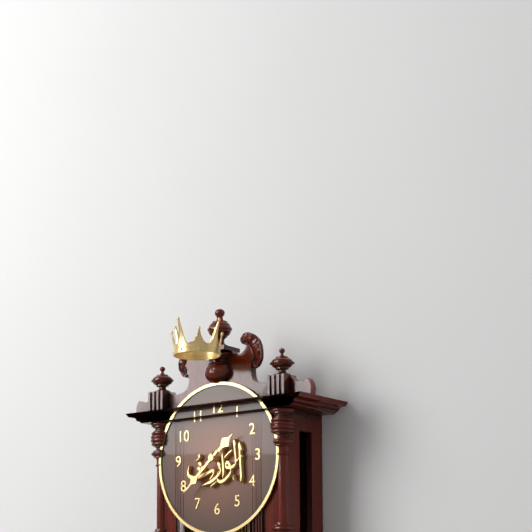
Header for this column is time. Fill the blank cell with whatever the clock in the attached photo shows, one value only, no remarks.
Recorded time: 1:38
